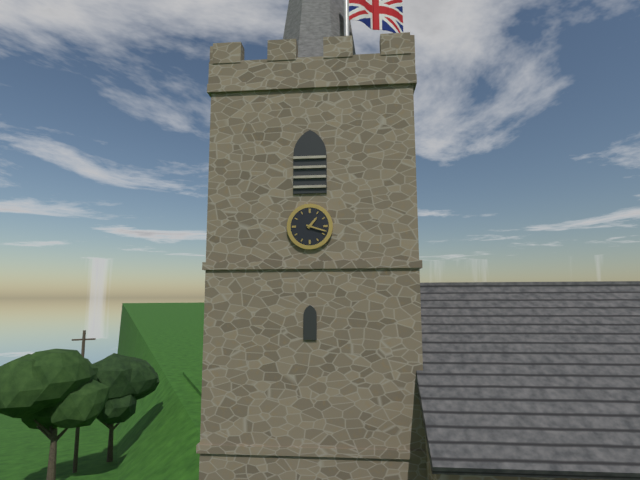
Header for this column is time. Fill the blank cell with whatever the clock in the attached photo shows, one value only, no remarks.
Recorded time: 1:18
